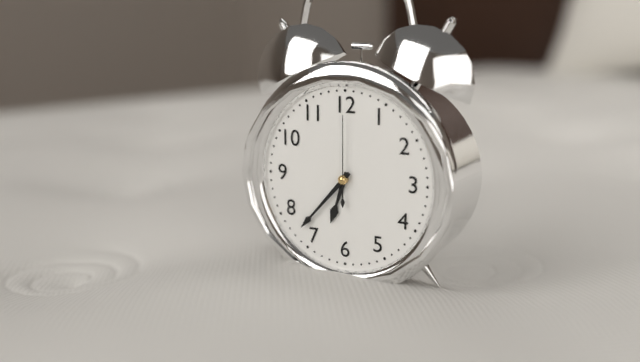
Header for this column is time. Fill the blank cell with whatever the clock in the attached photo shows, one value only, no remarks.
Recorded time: 6:37:00
